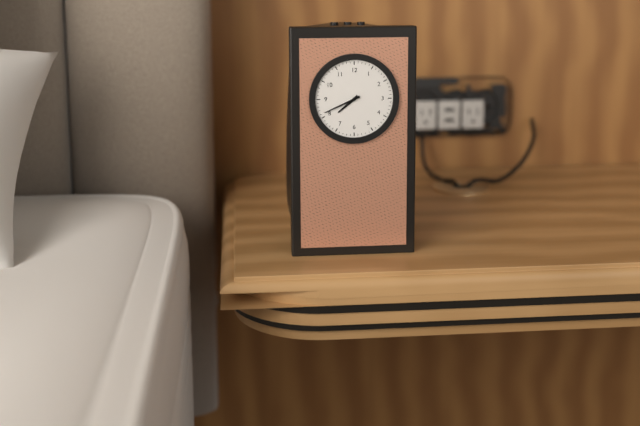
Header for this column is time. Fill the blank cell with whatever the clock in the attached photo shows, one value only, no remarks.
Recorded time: 7:41
